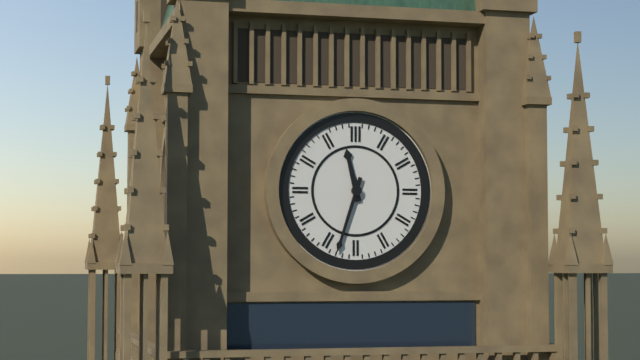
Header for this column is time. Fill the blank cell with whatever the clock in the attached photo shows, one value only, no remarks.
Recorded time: 11:33
